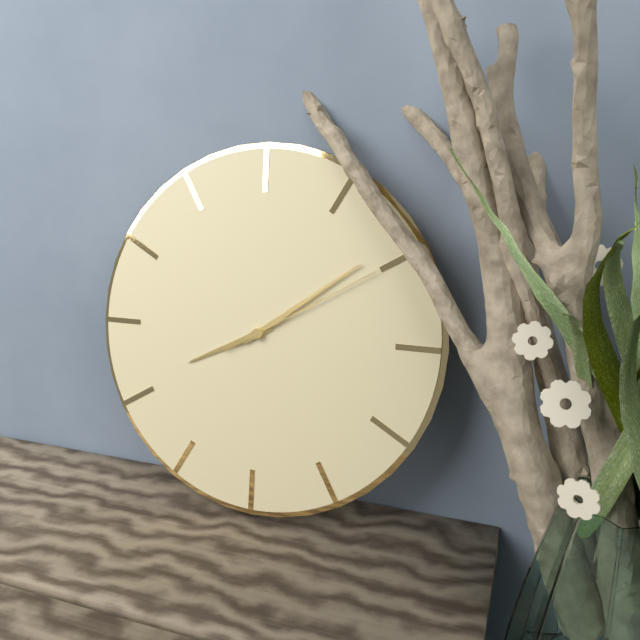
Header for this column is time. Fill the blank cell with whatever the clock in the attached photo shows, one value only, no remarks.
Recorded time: 8:09:10
